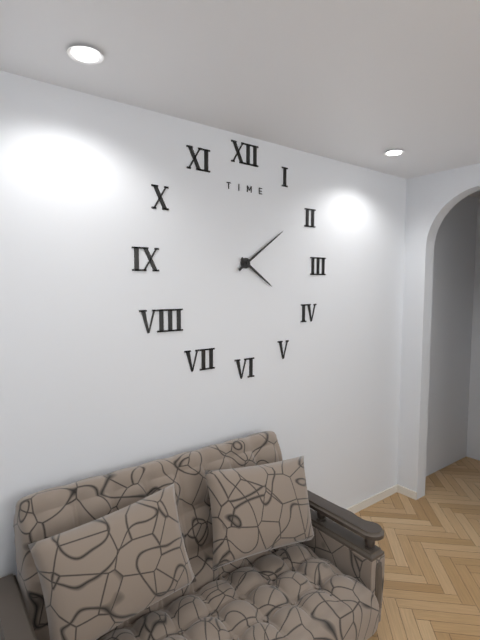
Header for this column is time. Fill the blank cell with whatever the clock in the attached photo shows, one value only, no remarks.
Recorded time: 4:09
